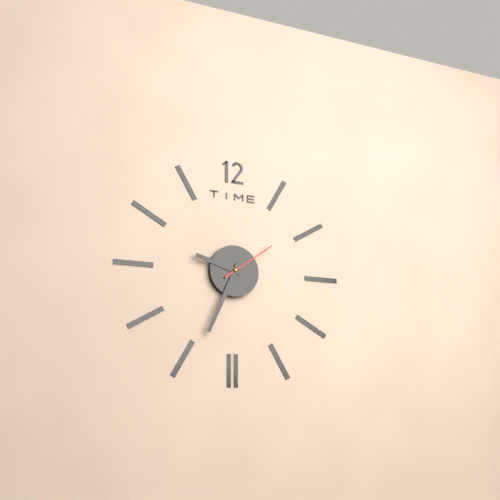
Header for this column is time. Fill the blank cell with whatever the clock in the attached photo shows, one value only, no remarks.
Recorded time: 9:34:09
